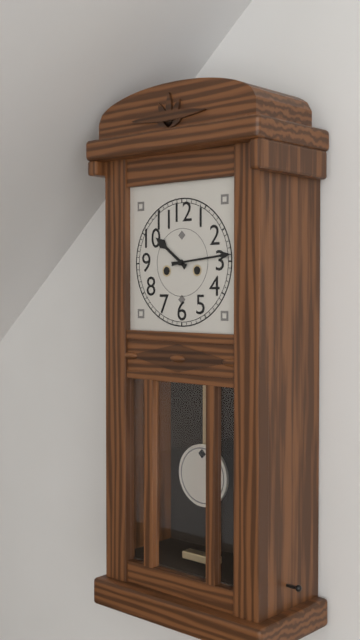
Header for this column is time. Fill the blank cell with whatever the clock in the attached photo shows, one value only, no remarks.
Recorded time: 10:14
